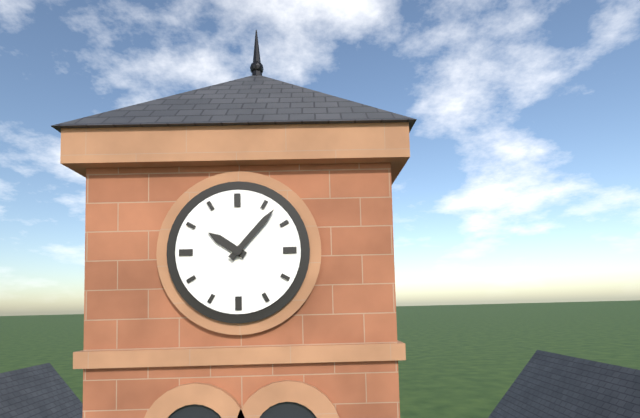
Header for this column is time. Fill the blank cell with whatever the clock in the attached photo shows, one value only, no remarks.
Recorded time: 10:07
